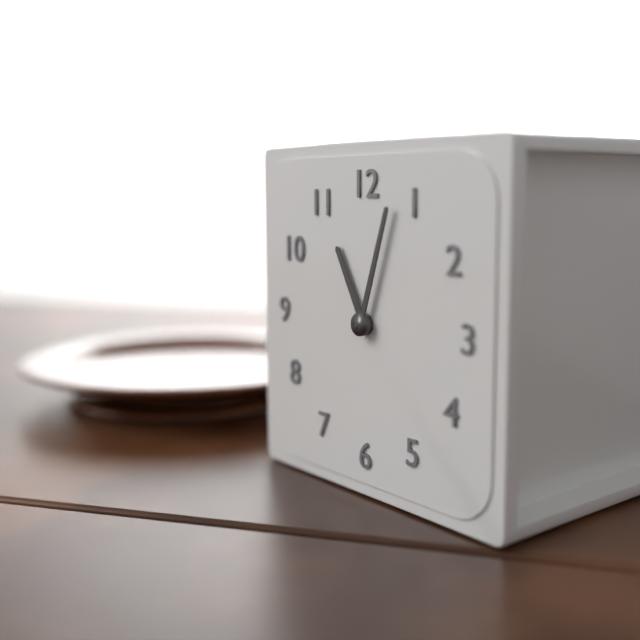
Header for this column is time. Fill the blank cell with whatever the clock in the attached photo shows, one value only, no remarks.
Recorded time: 11:03
